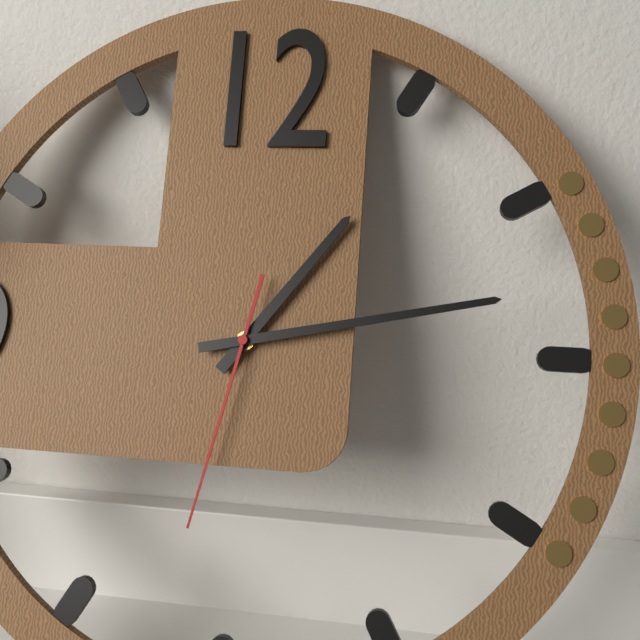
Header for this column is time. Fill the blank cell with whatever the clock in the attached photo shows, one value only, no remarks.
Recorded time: 1:13:32
